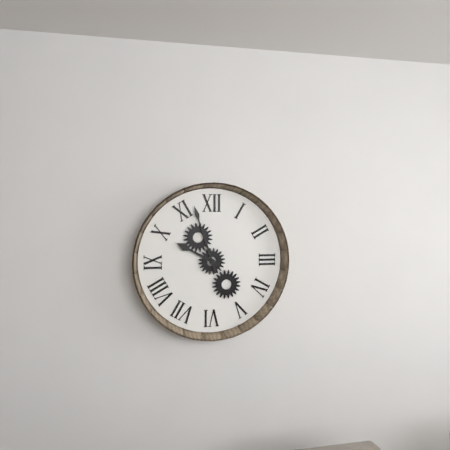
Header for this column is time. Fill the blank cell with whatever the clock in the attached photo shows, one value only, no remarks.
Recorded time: 9:57
